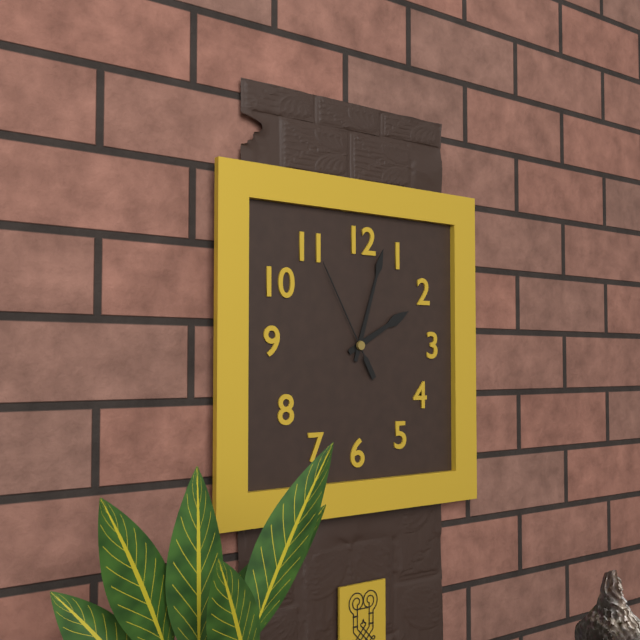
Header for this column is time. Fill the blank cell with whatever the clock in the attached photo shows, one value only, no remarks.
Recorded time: 2:03:55
